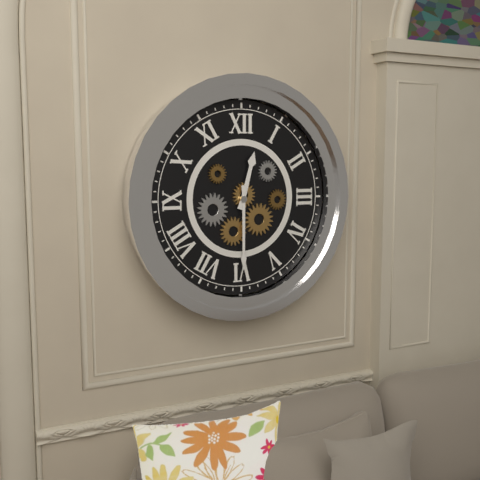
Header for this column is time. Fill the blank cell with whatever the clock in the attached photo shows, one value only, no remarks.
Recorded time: 12:30
